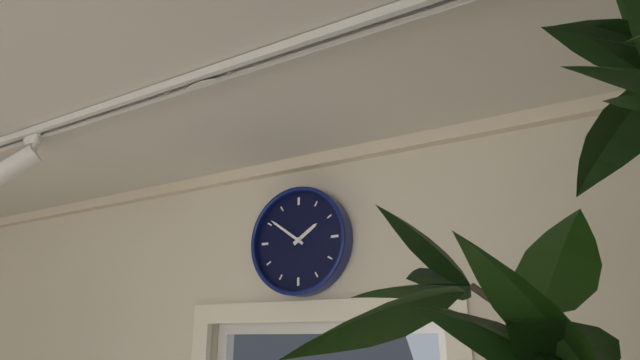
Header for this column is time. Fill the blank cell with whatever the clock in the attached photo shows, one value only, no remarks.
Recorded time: 1:51
